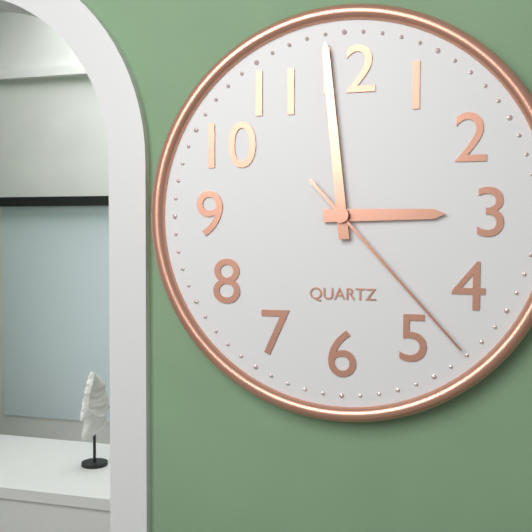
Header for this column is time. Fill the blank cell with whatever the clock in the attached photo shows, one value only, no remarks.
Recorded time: 2:59:23
